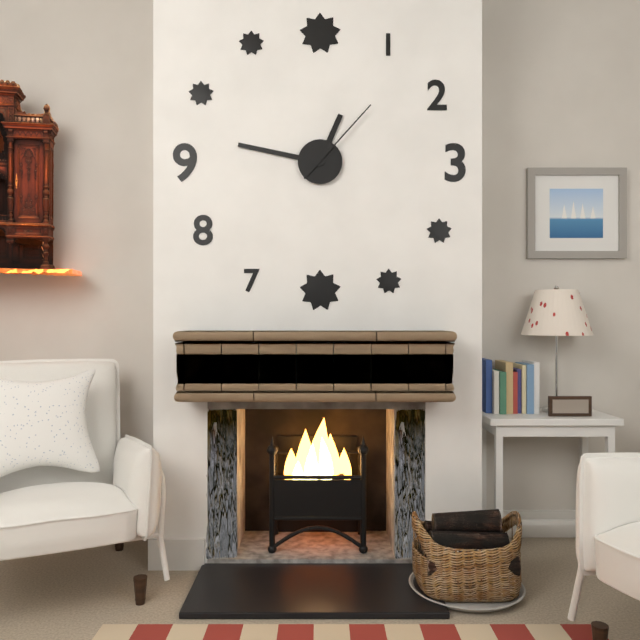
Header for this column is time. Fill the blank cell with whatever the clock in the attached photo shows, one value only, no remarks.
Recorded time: 12:47:07
